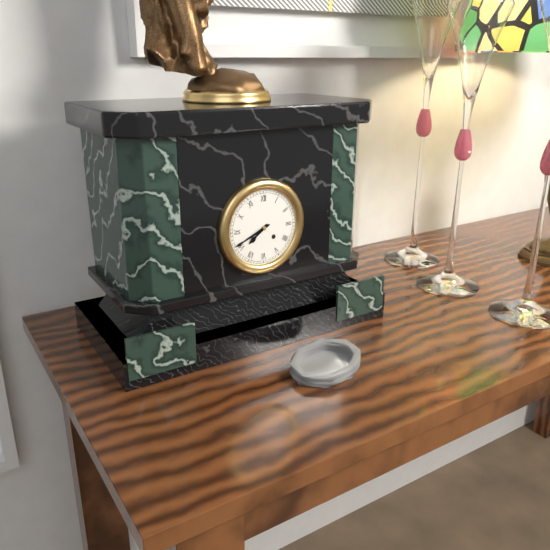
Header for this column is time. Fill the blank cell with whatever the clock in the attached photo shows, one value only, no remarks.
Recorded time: 7:41
